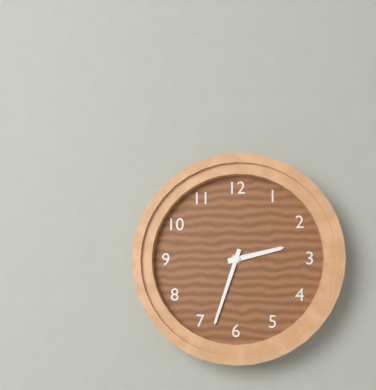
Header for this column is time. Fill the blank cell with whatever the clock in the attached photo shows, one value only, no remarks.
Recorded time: 2:33
